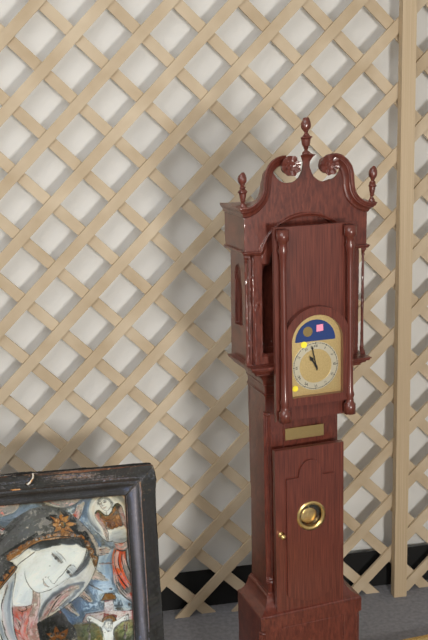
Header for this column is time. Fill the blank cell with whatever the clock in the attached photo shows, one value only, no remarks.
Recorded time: 10:58
